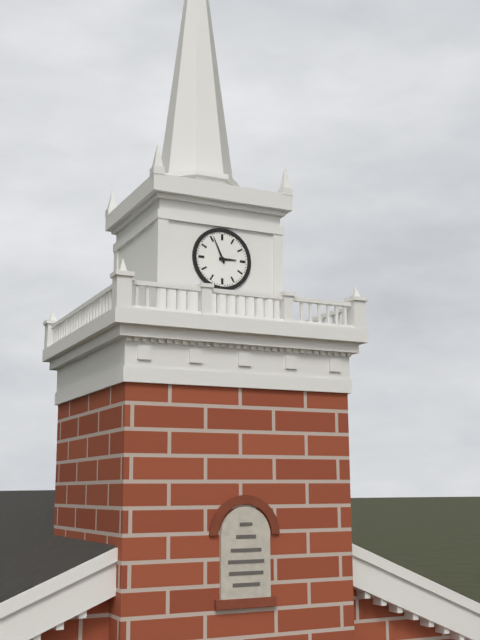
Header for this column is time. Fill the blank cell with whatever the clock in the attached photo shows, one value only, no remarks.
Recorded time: 2:56
